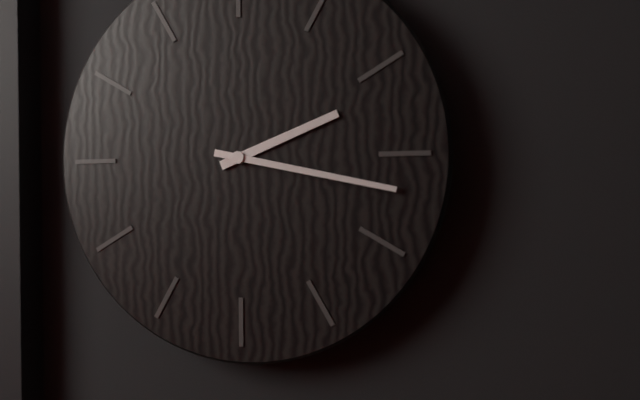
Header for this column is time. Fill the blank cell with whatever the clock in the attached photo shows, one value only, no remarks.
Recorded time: 2:17
